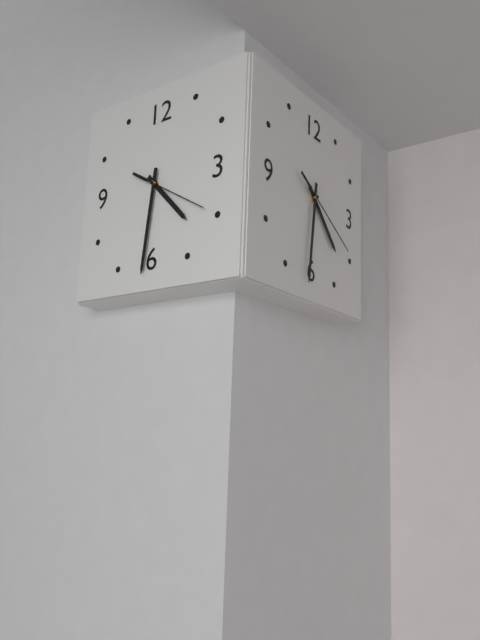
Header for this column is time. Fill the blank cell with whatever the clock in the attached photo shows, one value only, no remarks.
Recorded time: 4:31:20
